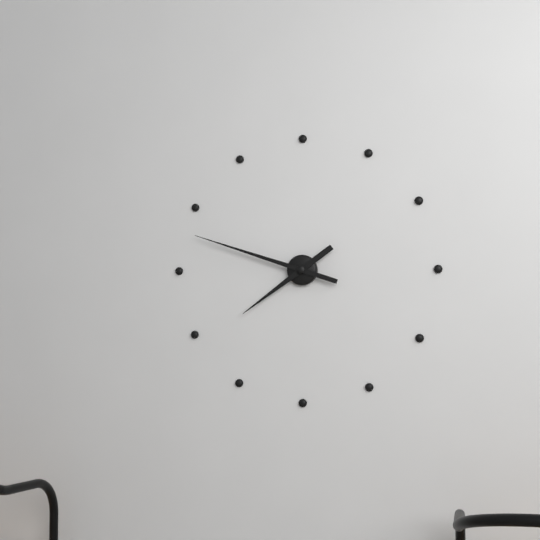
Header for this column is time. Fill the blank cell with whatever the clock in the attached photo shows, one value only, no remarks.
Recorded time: 7:48
